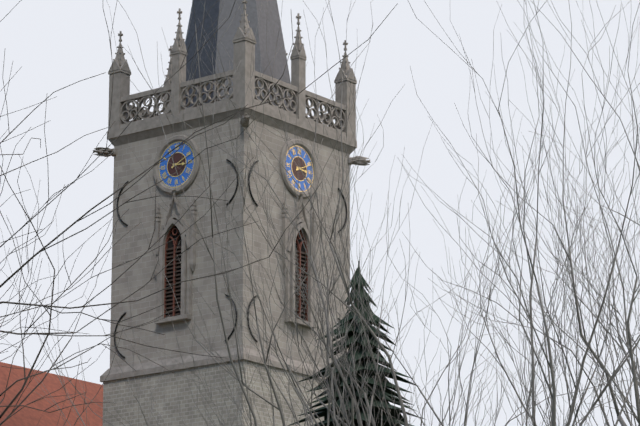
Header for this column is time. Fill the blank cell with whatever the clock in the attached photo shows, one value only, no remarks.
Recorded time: 3:11
